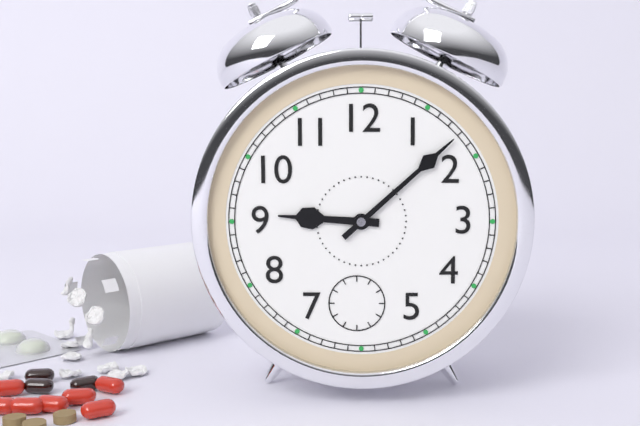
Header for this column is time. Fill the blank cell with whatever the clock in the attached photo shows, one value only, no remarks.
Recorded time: 9:08
